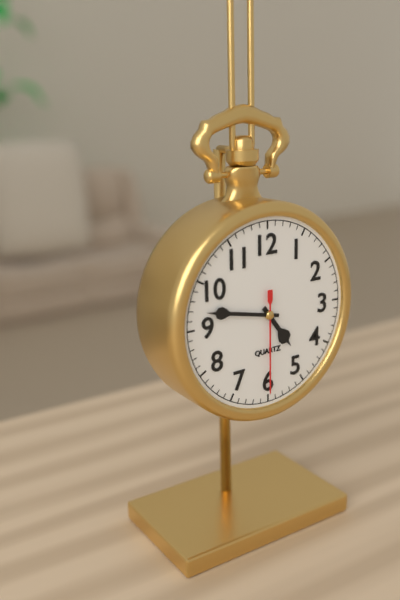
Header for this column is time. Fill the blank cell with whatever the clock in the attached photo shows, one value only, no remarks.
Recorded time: 4:47:30
